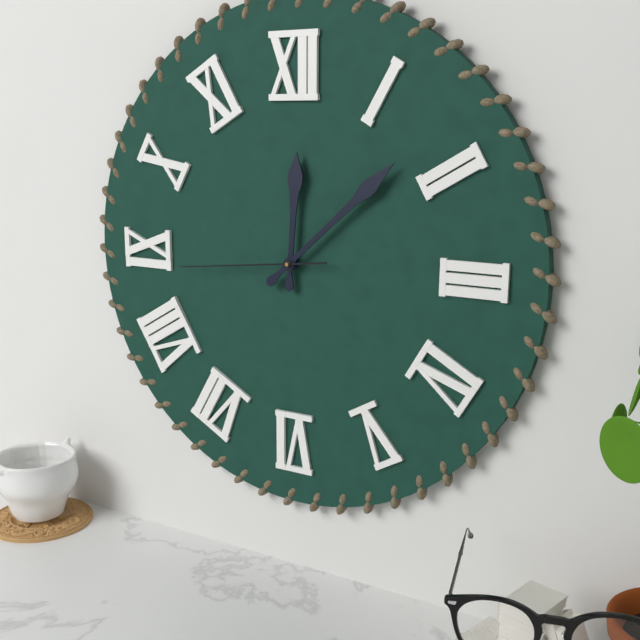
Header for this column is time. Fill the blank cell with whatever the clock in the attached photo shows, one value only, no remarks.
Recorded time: 12:08:44
